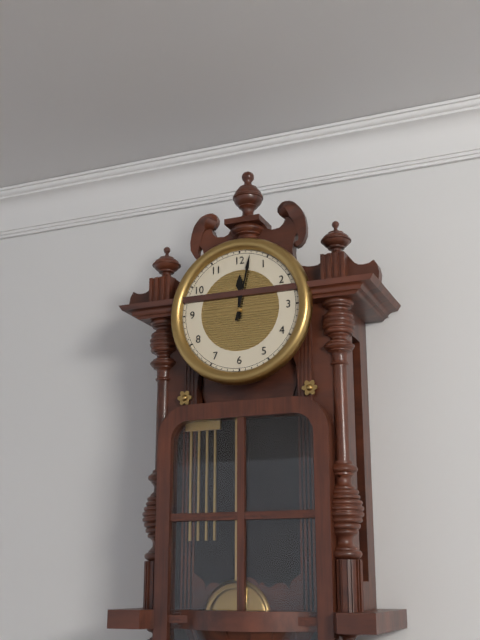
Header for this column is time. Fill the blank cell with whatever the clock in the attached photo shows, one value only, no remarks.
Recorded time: 12:02
